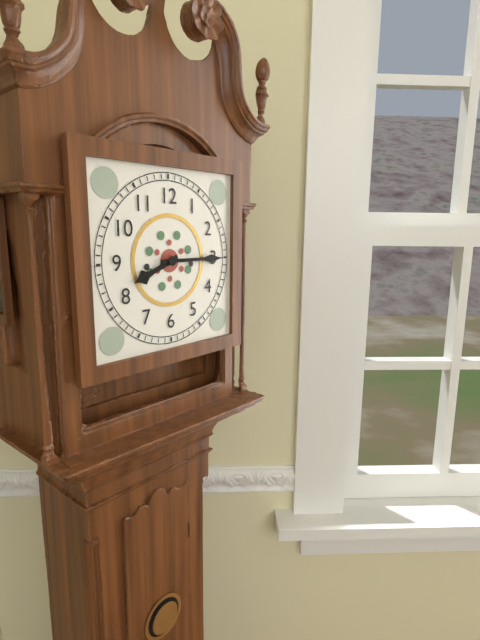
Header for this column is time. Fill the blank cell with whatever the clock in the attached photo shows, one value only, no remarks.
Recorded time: 8:15
